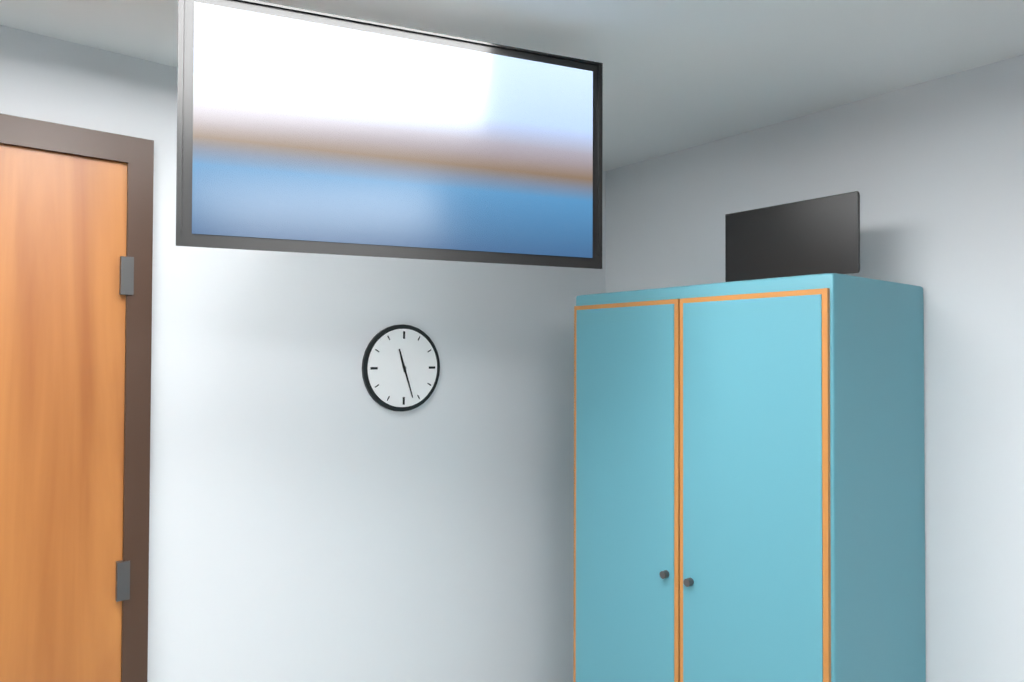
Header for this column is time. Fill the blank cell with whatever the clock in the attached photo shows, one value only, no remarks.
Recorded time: 11:27
